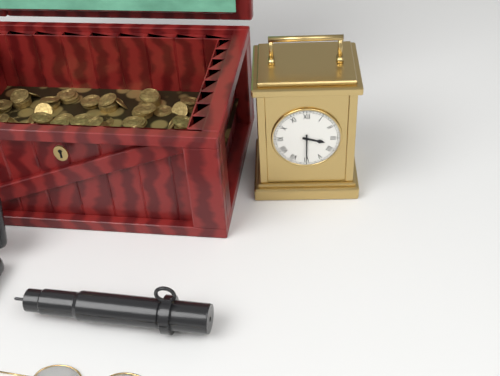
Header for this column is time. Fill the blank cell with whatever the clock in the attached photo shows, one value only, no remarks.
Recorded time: 3:30
